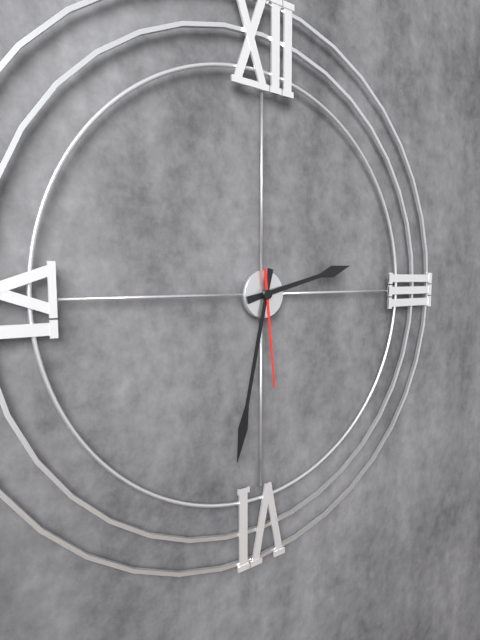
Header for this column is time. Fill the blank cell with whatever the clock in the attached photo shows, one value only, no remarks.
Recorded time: 2:32:29
